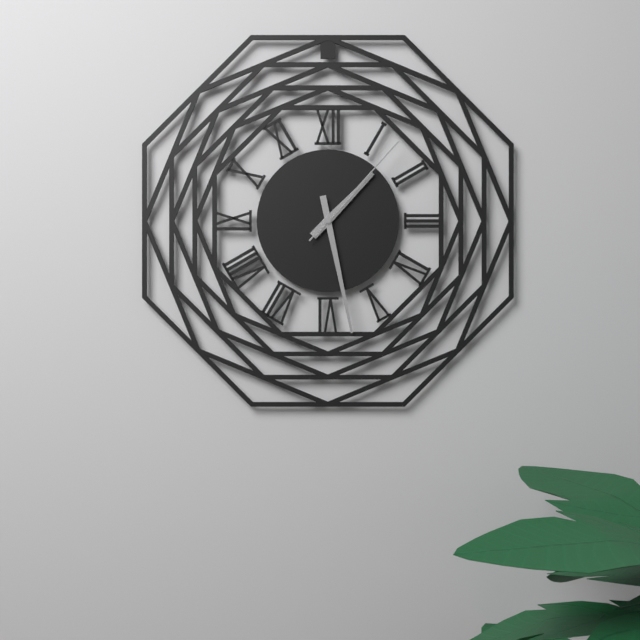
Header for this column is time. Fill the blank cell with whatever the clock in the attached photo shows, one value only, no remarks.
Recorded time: 1:28:07
